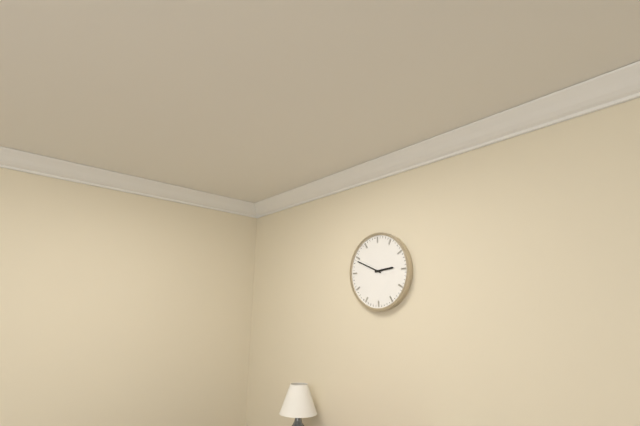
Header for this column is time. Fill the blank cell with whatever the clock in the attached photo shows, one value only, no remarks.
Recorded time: 2:49
